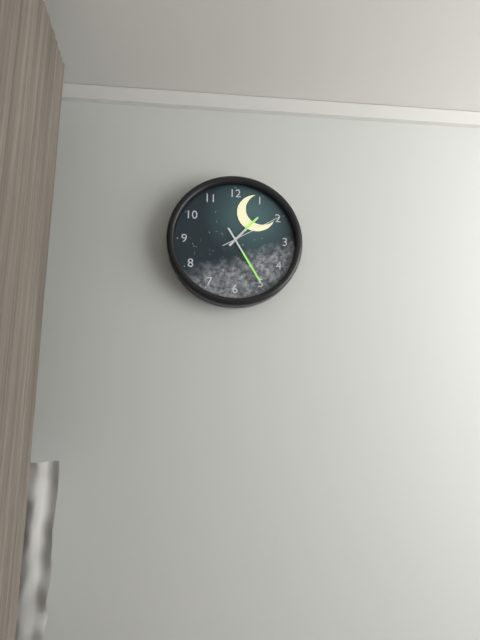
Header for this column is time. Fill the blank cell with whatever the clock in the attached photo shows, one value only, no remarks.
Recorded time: 1:25:10
